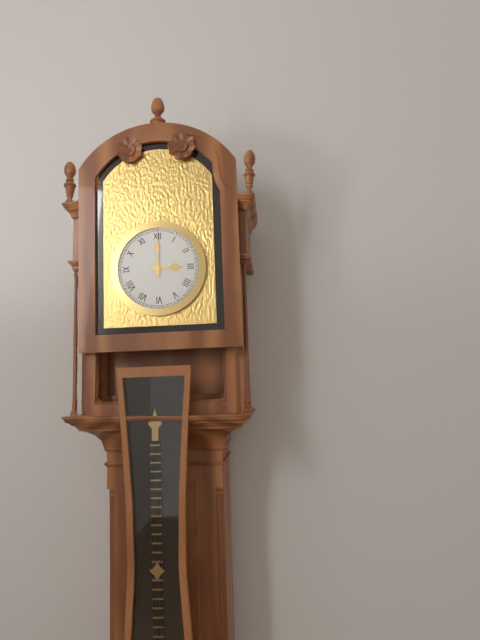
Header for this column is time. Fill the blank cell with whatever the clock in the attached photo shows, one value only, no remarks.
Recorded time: 3:00
